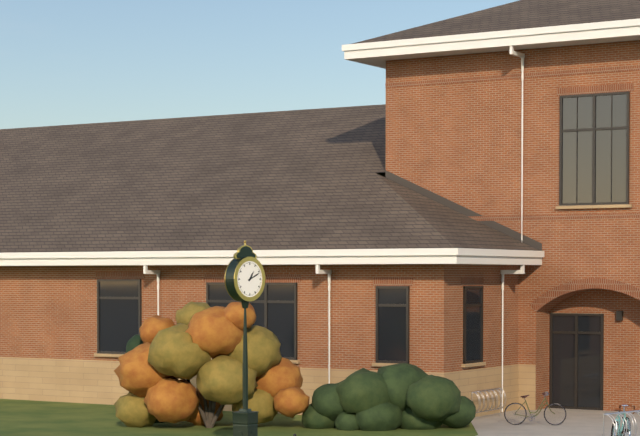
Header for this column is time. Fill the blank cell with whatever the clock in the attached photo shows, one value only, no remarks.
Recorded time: 1:11
